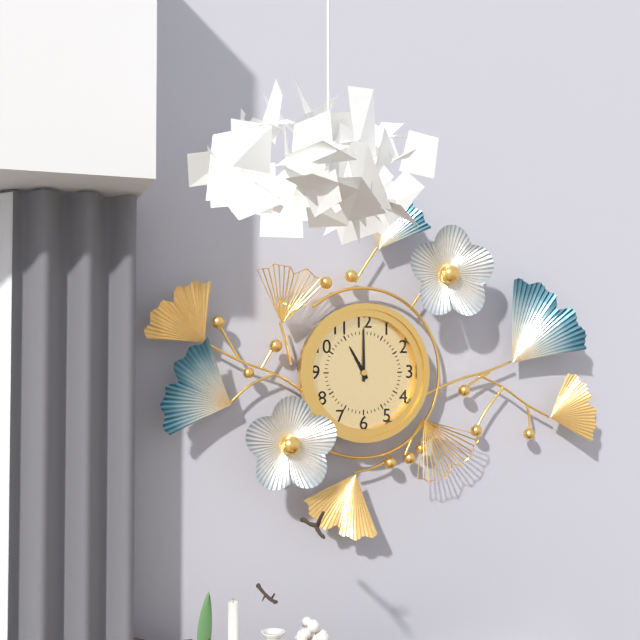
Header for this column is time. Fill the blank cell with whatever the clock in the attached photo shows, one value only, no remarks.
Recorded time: 11:00
